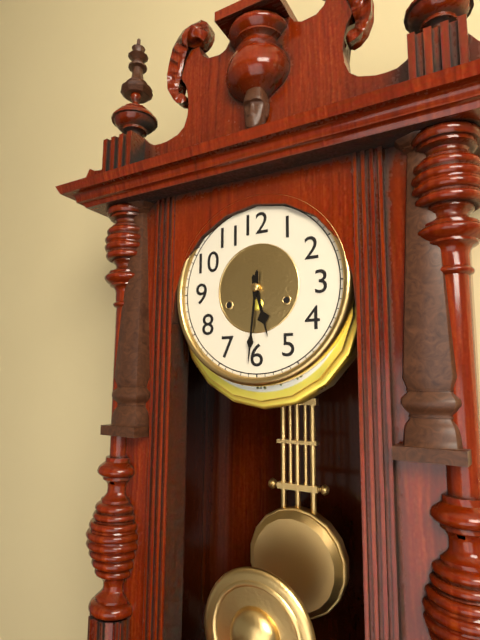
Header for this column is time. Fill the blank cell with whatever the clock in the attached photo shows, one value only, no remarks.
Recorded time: 5:31
